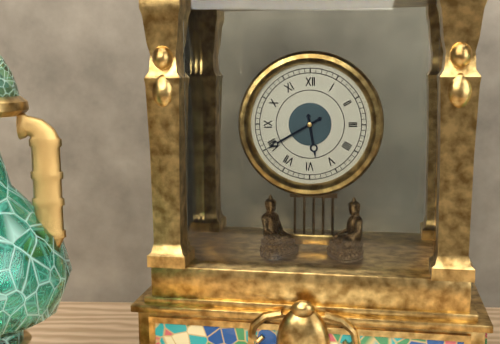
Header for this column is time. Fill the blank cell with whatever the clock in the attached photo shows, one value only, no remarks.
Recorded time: 5:40
